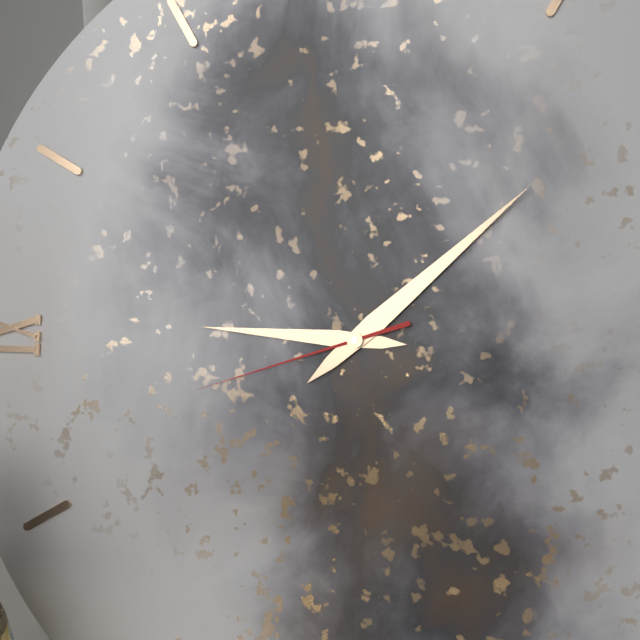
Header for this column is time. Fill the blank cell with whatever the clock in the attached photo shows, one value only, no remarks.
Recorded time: 9:08:42
